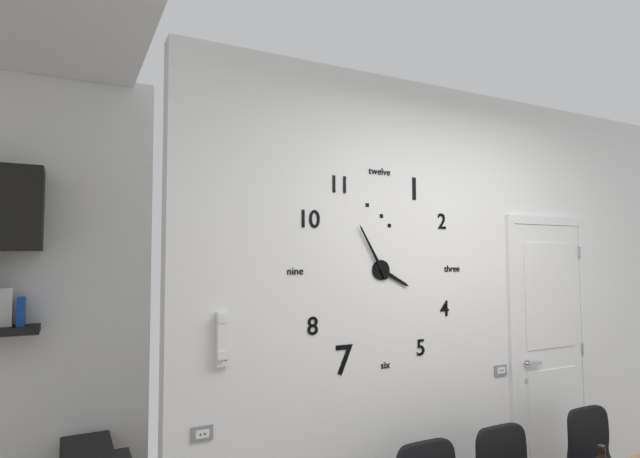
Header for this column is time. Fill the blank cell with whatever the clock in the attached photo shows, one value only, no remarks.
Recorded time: 3:55
